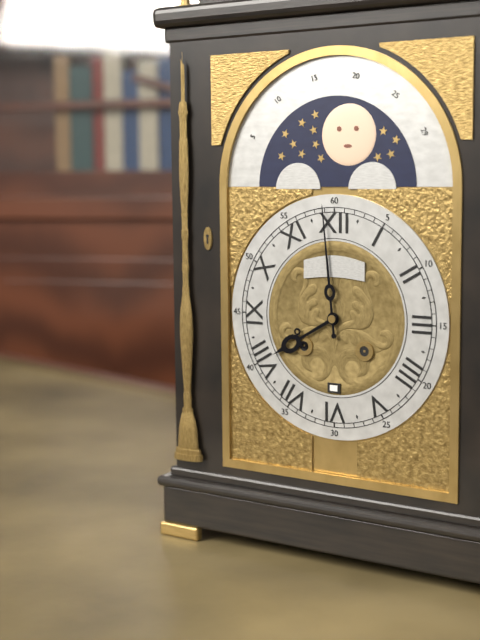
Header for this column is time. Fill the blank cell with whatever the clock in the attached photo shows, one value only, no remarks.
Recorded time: 7:59
